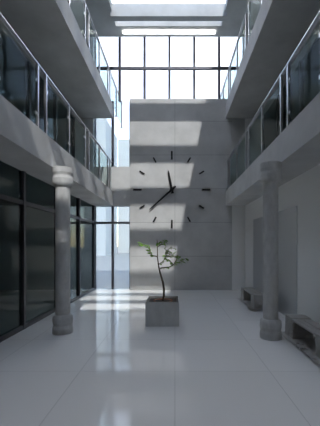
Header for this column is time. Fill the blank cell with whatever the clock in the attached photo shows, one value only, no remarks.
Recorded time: 11:38
